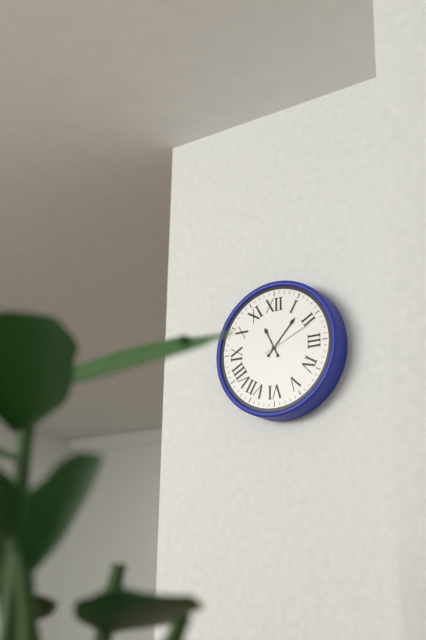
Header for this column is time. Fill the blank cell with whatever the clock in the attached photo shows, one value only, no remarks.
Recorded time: 11:07:11
